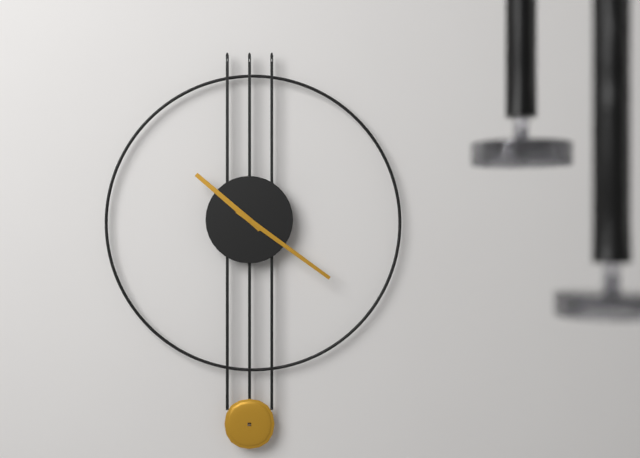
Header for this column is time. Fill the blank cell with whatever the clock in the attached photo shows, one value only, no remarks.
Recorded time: 10:21
